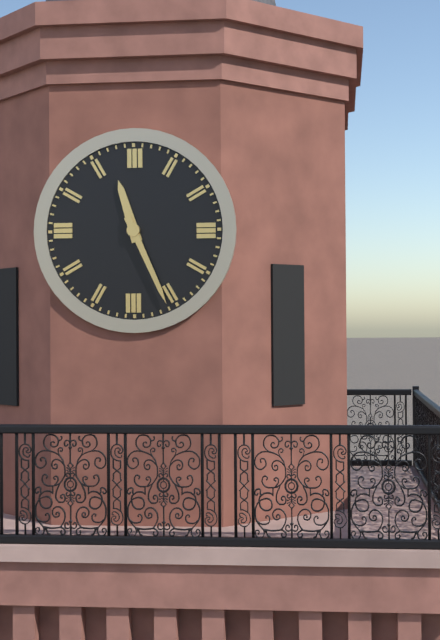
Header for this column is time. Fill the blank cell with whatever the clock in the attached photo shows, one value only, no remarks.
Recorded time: 11:26
